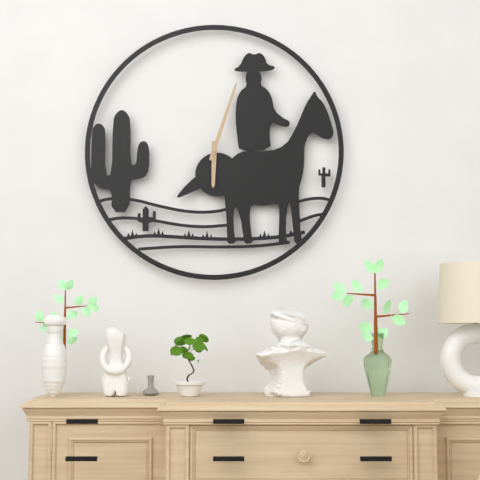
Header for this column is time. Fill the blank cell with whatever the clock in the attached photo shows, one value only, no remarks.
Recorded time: 6:03
